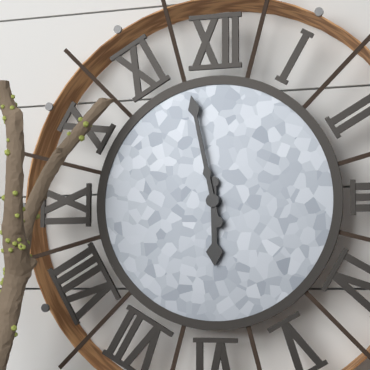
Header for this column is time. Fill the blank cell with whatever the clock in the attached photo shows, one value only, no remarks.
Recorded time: 5:58
